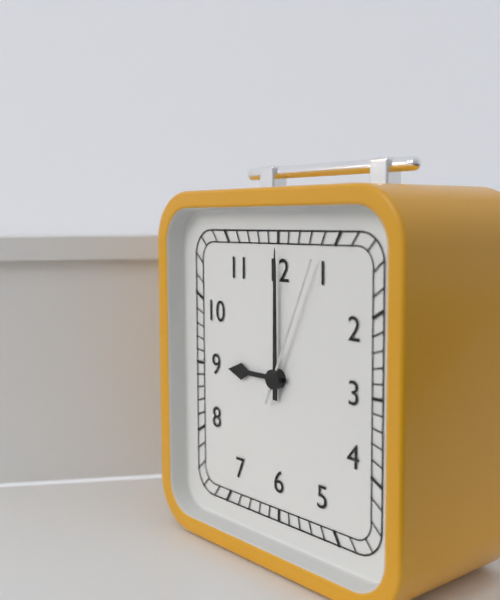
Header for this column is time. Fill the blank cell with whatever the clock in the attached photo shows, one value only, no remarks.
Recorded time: 9:00:04
